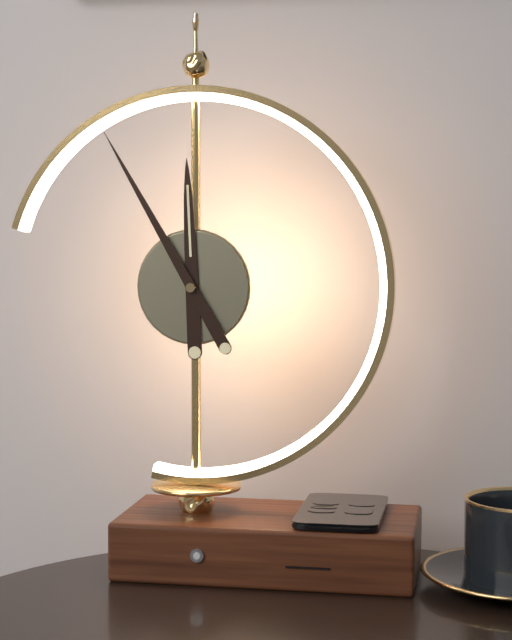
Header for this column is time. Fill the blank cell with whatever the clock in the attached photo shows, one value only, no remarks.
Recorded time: 11:55
